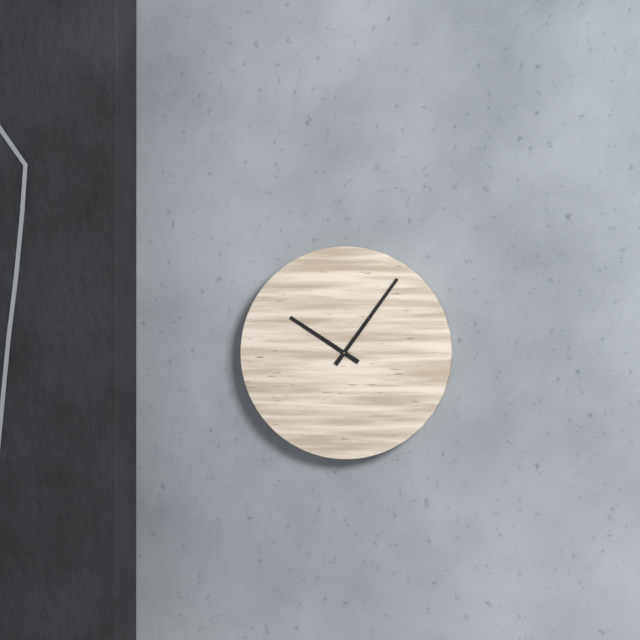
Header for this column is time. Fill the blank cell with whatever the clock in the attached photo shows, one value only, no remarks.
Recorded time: 10:06
